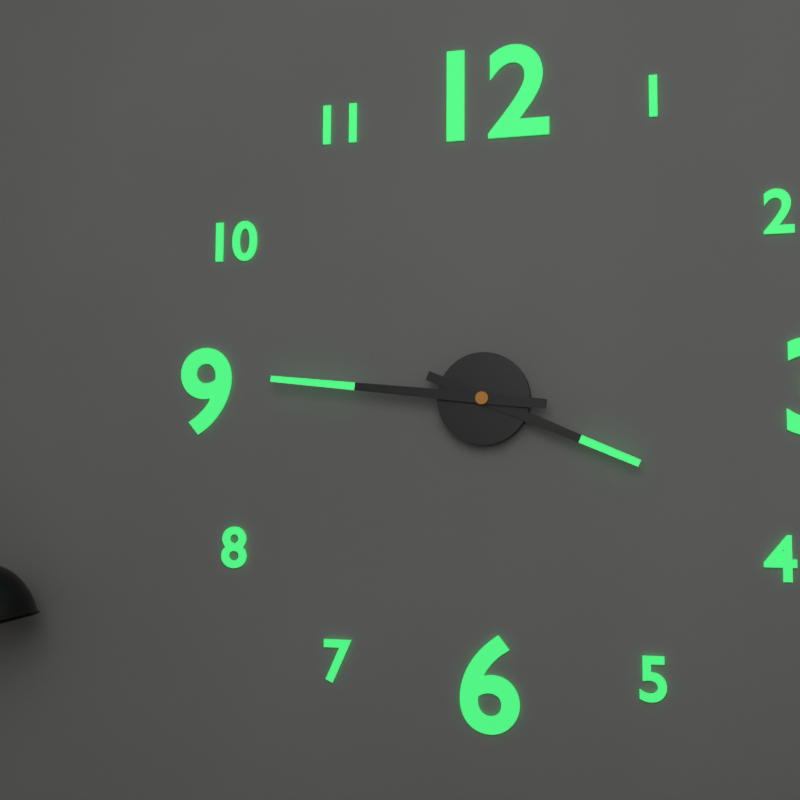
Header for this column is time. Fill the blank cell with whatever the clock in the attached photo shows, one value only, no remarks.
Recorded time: 3:46
